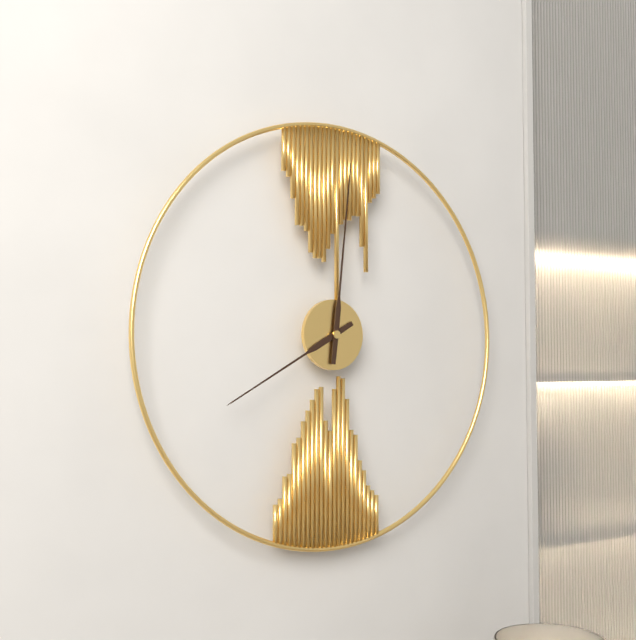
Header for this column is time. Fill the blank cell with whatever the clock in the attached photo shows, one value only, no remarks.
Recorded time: 8:01
